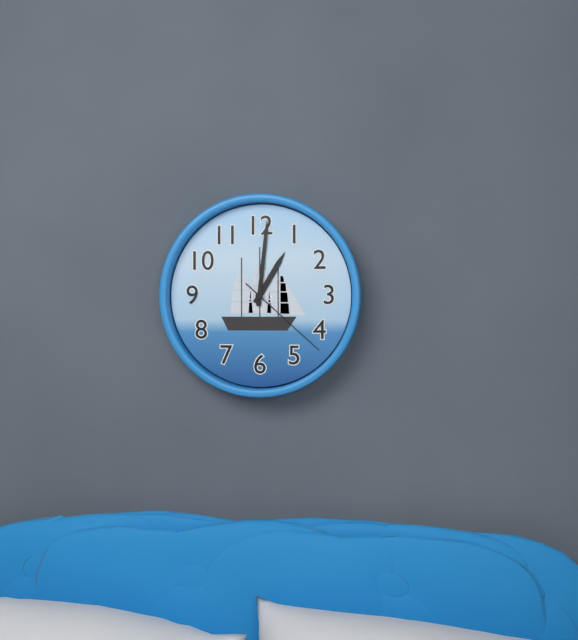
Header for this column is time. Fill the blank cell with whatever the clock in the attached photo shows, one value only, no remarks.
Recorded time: 1:01:22
